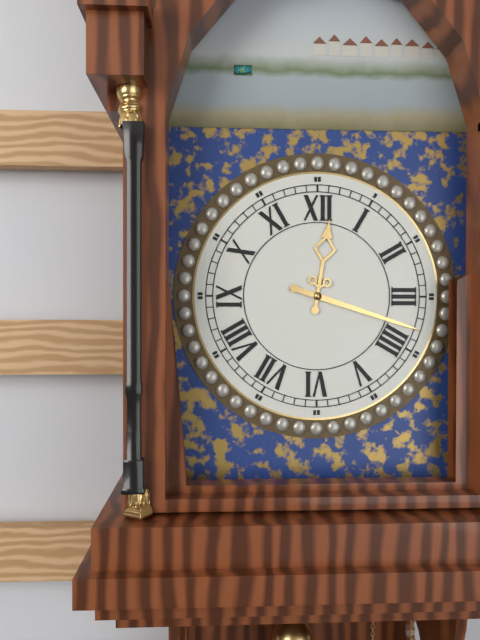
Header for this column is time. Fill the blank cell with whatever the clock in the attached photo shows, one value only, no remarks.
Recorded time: 12:18
